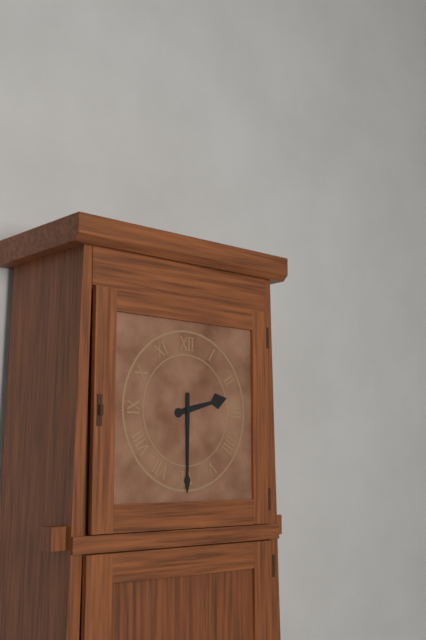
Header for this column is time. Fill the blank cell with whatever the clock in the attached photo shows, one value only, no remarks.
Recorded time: 2:30
